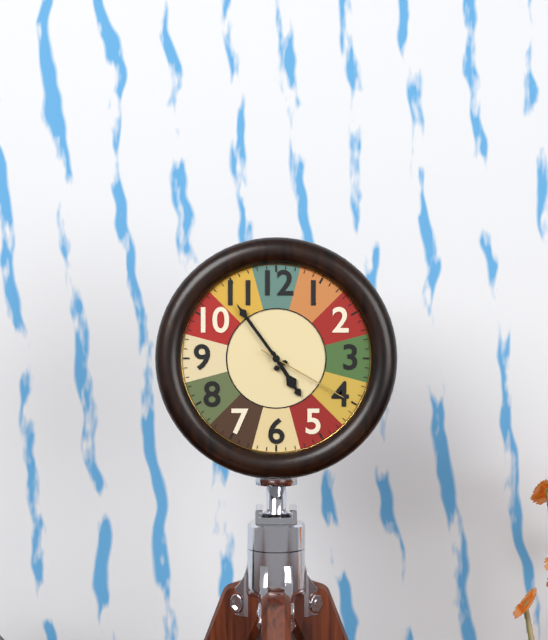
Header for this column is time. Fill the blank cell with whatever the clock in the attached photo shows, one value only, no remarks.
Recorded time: 4:54:20
